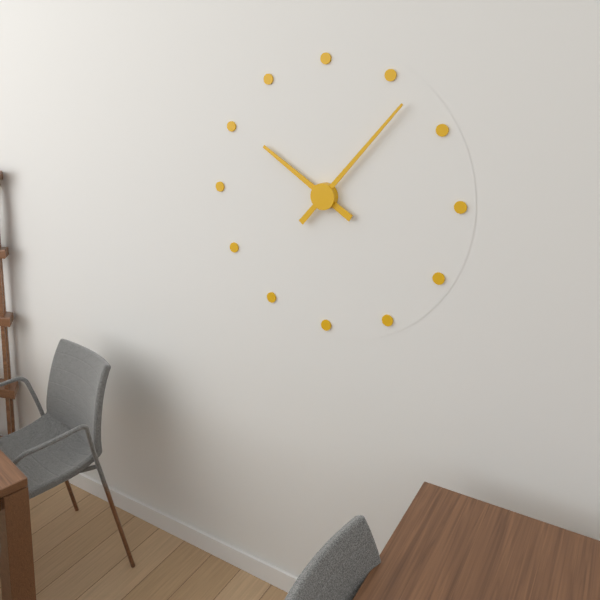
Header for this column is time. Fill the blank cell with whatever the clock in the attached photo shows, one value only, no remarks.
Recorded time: 10:07
